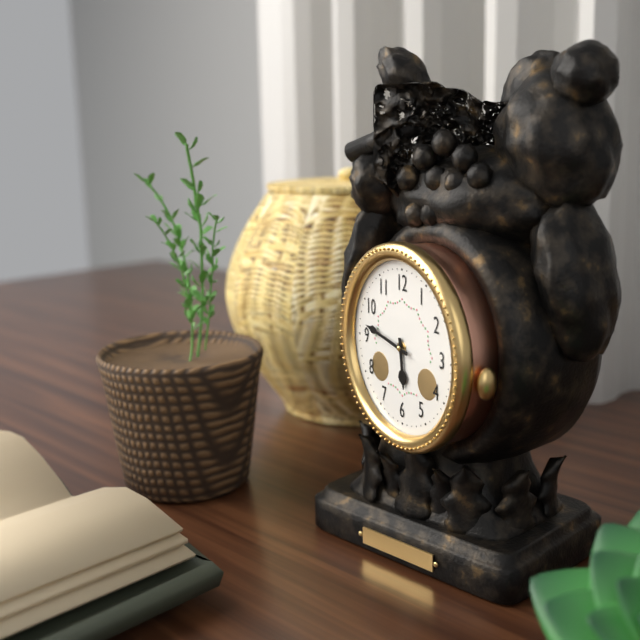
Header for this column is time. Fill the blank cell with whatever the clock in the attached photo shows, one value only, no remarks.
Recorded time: 5:47
